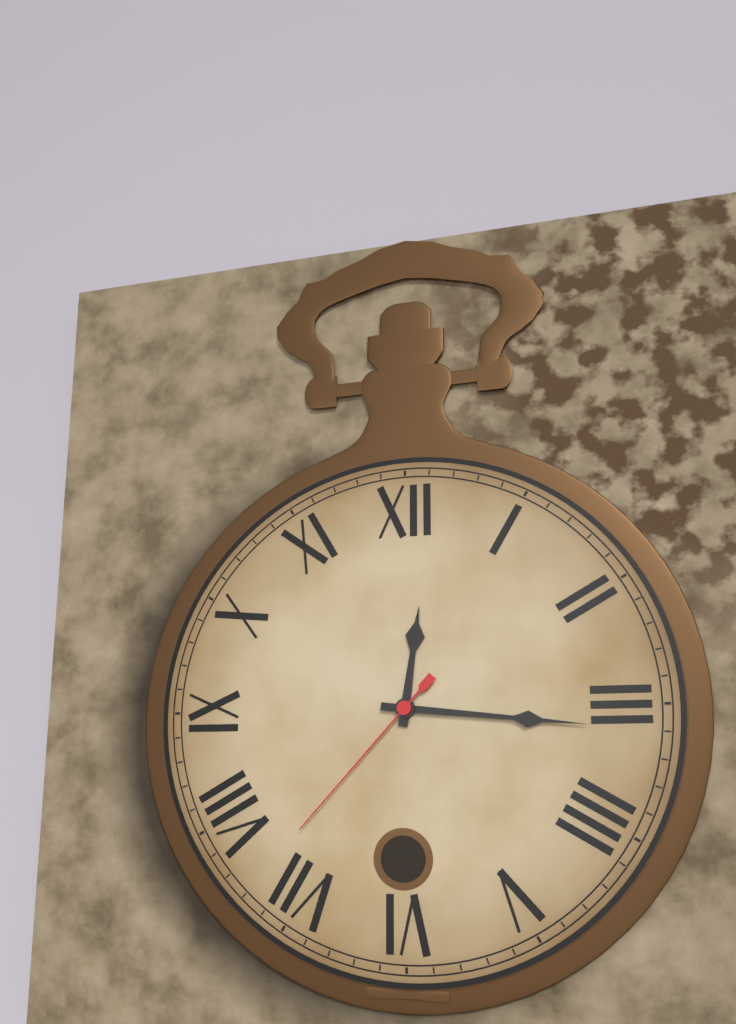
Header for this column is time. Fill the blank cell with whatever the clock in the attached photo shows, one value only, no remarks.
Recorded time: 12:16:37
